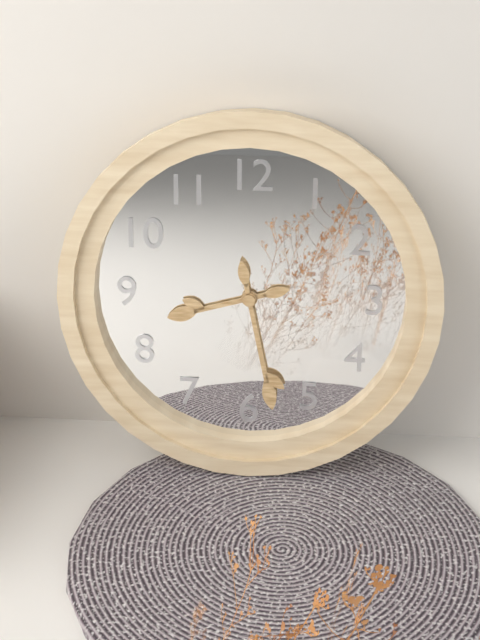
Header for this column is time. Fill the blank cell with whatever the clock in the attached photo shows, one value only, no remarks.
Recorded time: 8:28
